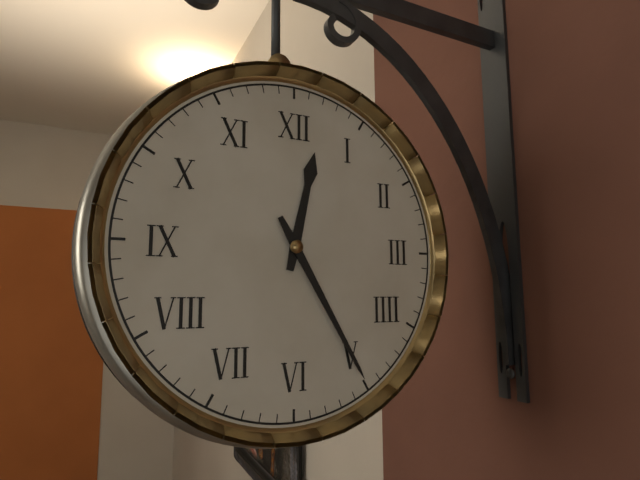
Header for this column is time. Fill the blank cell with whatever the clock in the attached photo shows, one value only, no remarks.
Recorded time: 12:25
